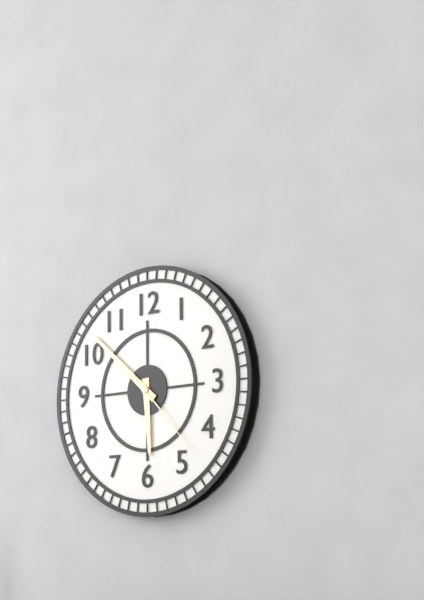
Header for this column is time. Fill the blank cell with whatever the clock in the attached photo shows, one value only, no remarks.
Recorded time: 5:52:23
